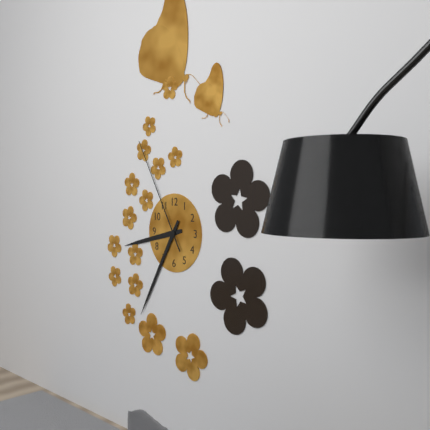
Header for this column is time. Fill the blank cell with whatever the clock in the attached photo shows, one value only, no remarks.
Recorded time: 8:35:55
